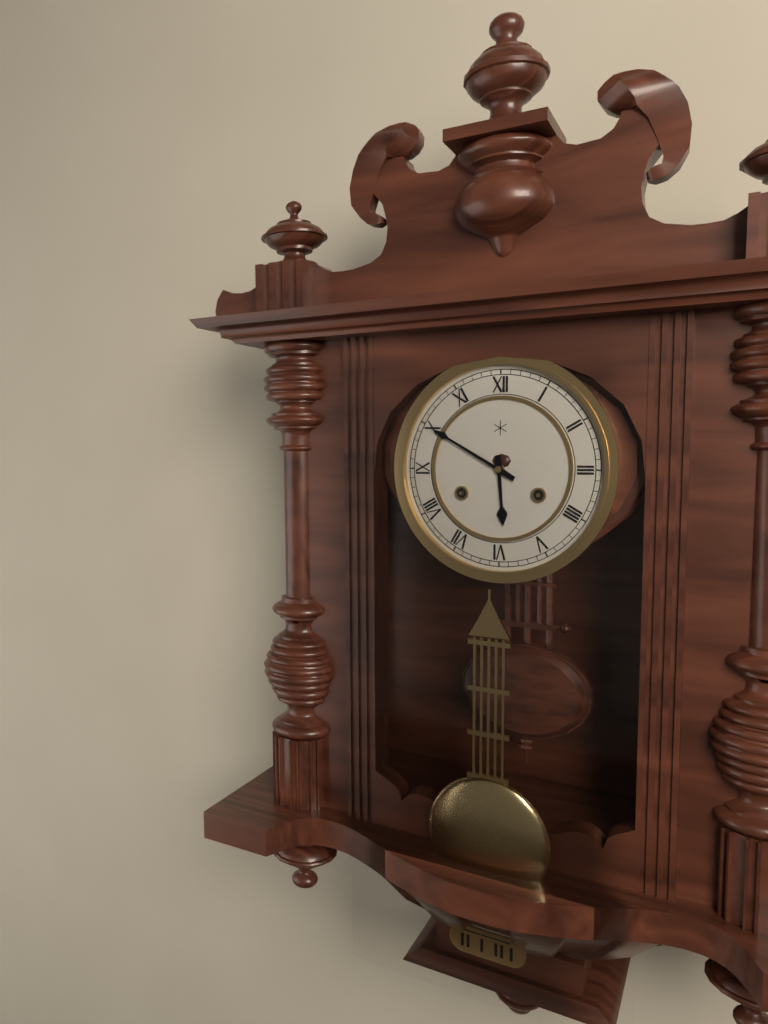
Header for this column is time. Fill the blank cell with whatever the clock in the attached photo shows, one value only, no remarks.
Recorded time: 5:50
